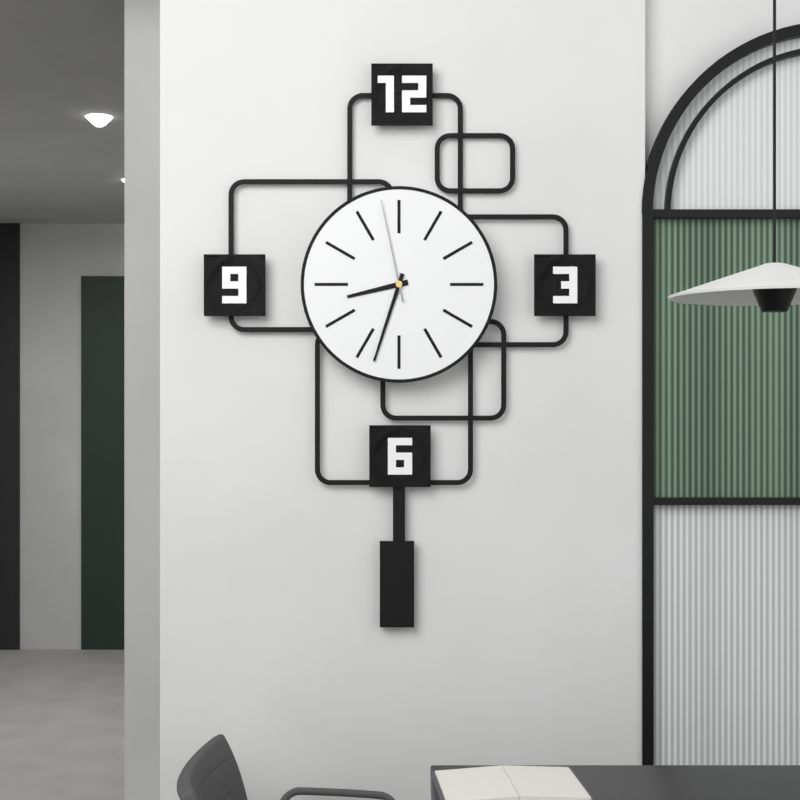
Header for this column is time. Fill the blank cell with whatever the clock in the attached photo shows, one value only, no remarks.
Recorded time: 8:33:58
